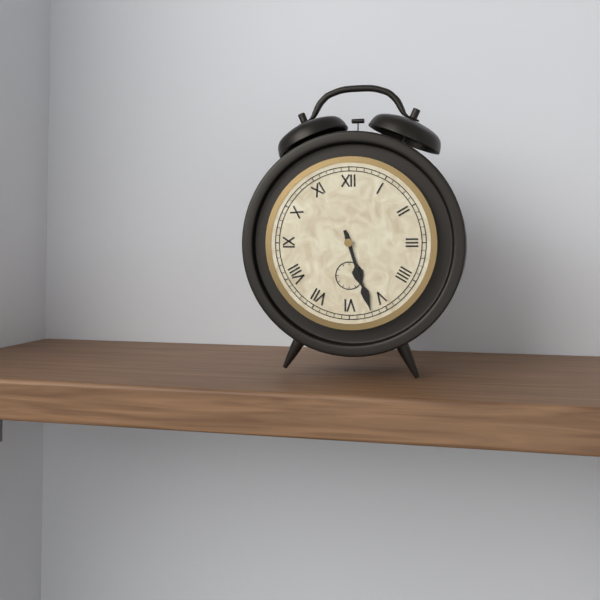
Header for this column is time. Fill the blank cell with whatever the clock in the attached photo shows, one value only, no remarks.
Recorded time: 5:27
